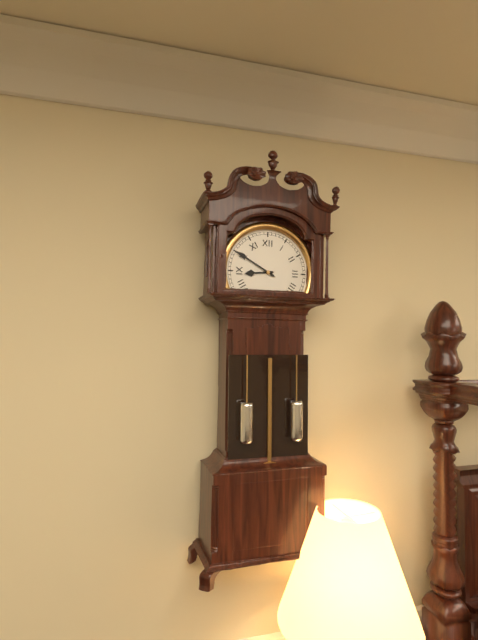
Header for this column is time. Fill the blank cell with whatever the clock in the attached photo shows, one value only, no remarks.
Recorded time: 8:50
